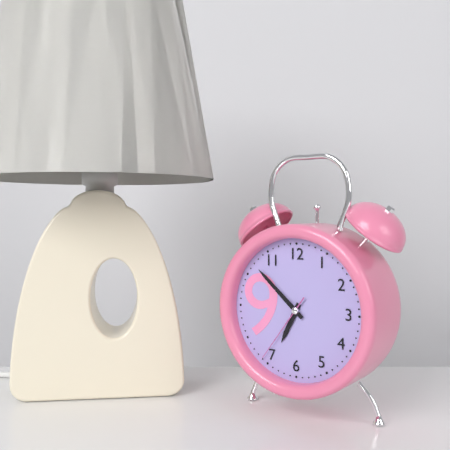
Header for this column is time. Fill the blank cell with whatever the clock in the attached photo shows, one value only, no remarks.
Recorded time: 6:52:36
